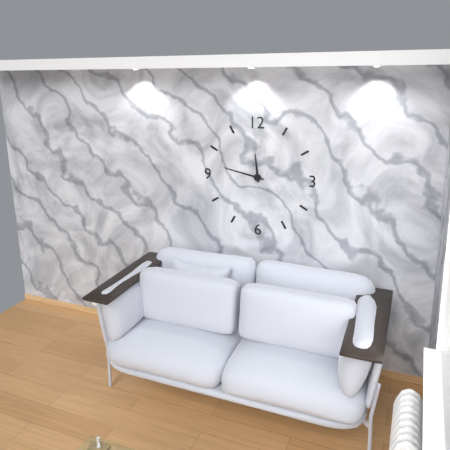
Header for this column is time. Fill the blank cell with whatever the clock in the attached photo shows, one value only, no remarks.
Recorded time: 11:47
